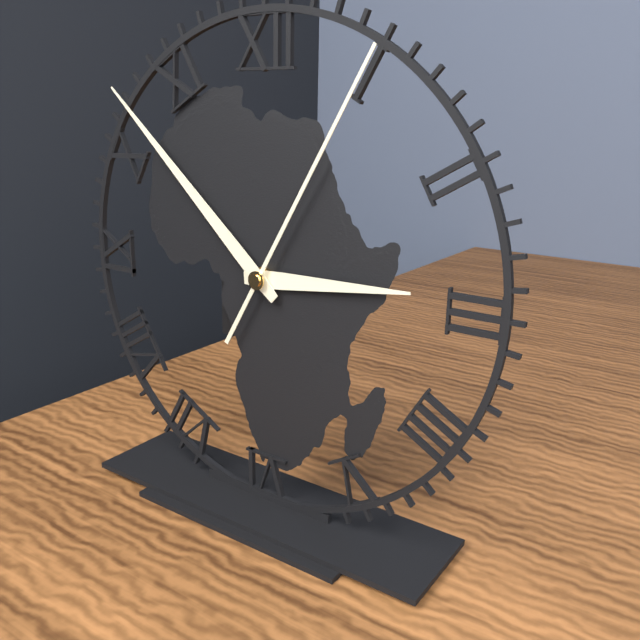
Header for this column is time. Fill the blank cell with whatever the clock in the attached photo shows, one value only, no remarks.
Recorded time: 2:52:05
